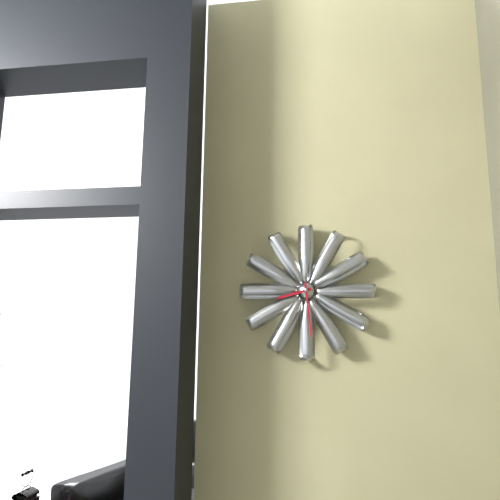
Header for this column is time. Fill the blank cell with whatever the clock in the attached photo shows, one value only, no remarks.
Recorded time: 8:29
